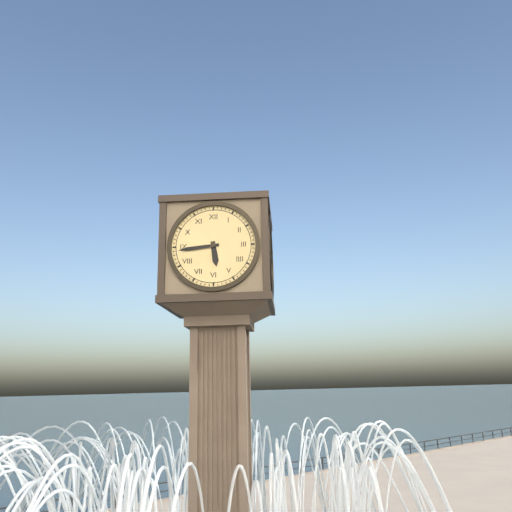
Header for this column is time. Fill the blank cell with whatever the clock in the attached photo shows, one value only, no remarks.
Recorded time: 5:44
